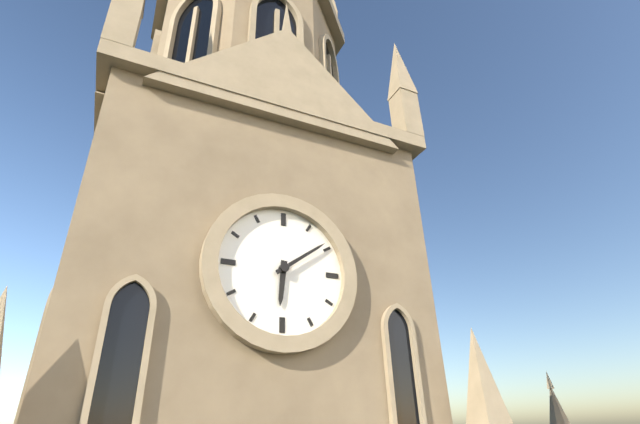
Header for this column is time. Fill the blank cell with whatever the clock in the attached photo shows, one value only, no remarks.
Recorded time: 6:09
